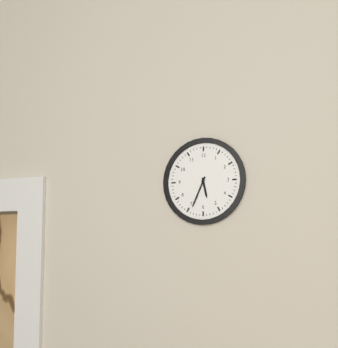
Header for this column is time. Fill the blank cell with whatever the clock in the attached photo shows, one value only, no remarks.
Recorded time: 5:34
